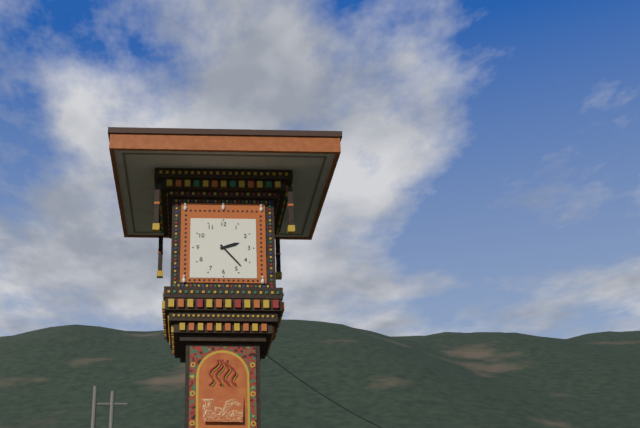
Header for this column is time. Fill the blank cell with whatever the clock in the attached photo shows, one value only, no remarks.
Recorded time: 2:23
